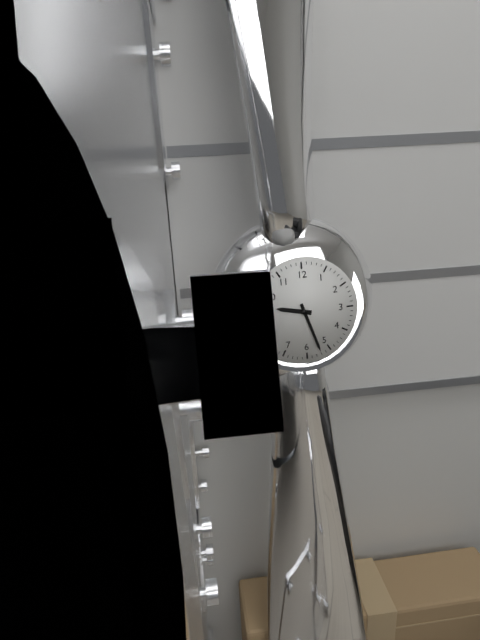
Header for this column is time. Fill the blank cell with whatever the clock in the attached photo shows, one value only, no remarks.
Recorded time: 9:27
